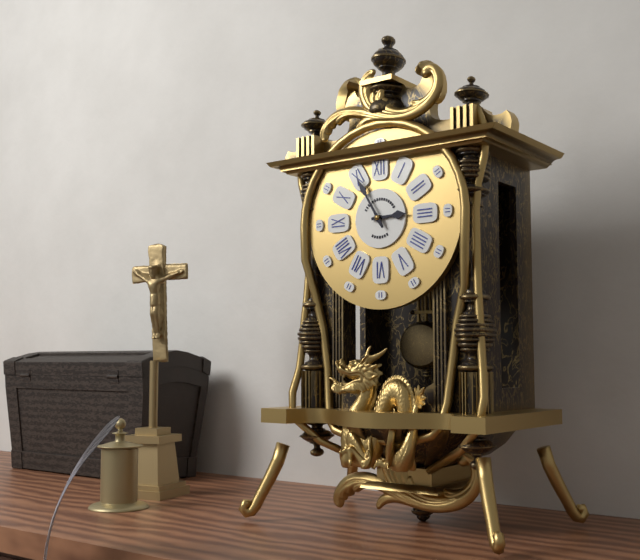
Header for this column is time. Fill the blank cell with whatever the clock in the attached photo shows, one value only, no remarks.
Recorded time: 2:55
